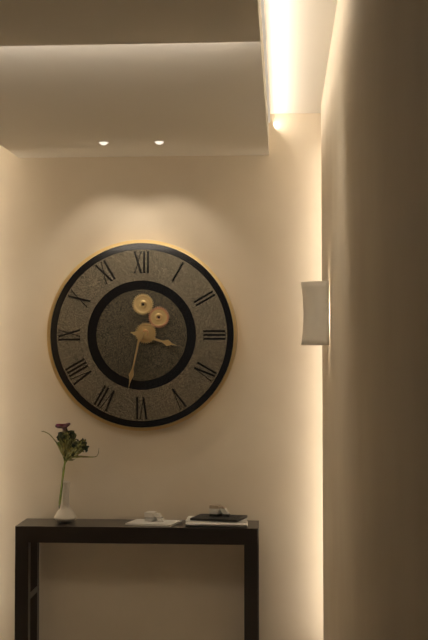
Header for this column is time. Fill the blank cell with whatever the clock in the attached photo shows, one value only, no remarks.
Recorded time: 3:32
